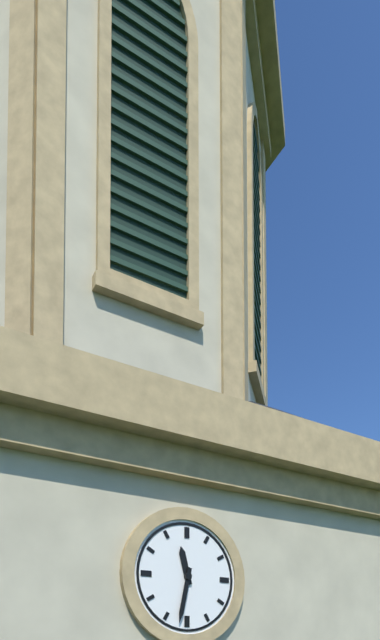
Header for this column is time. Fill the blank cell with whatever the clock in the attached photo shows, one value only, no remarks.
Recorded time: 11:32
